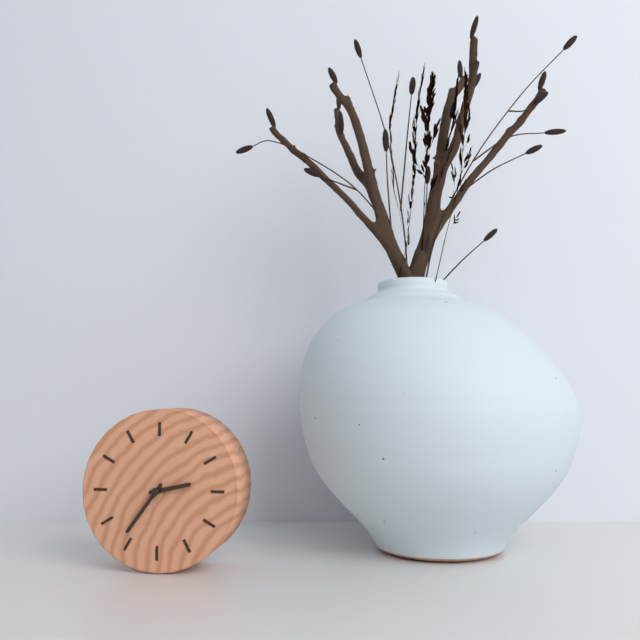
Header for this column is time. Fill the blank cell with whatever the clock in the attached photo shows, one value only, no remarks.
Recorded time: 2:36
